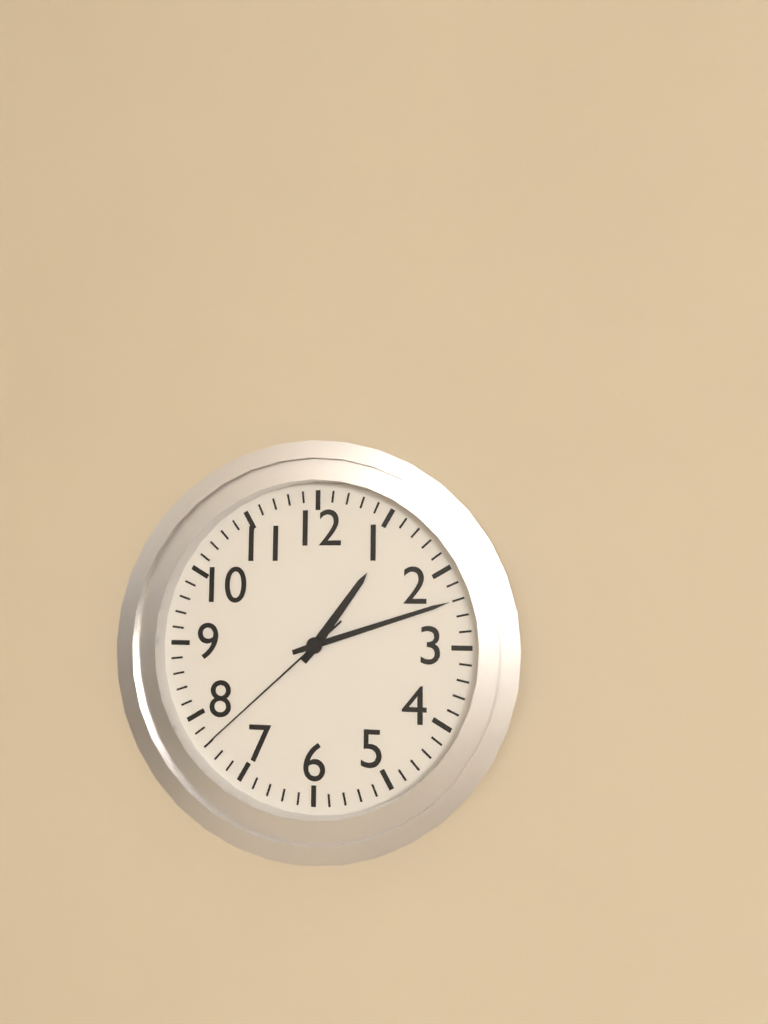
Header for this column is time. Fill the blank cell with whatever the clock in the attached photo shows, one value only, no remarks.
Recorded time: 1:12:38
